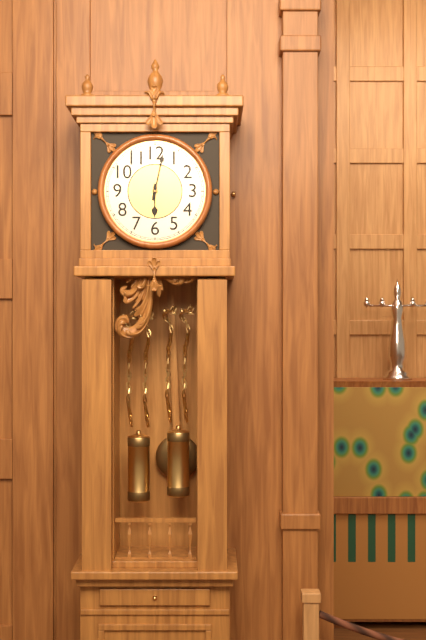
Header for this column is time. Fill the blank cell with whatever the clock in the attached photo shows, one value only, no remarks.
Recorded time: 6:02
